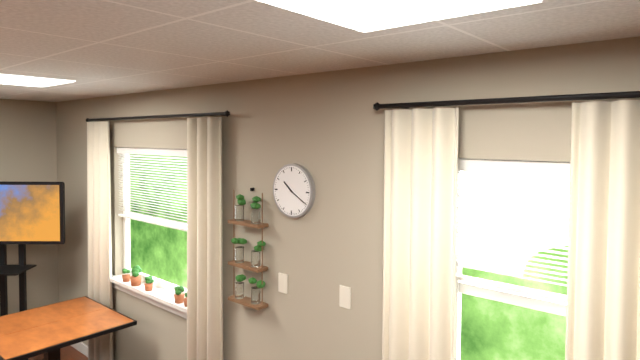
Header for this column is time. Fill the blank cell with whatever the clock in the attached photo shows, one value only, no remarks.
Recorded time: 10:20
